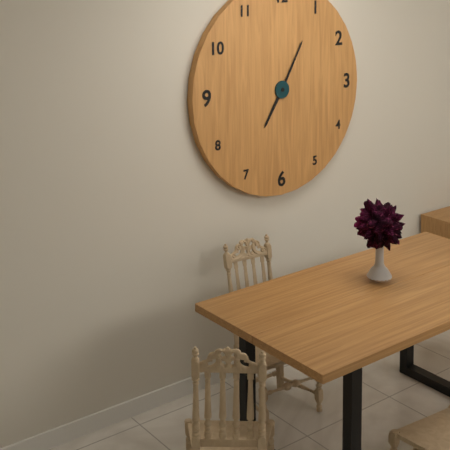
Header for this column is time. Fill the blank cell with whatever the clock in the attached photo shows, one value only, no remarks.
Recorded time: 7:05
